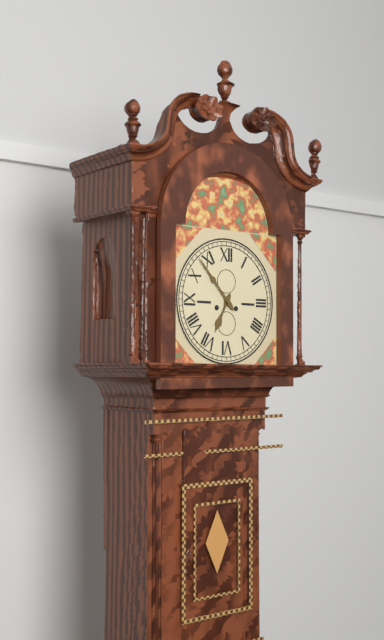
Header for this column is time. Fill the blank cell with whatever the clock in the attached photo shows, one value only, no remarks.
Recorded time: 6:53
